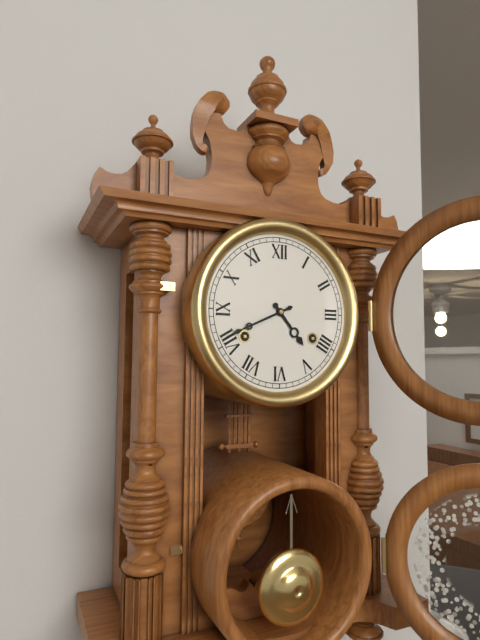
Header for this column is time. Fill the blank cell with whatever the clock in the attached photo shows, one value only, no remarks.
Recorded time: 4:41
